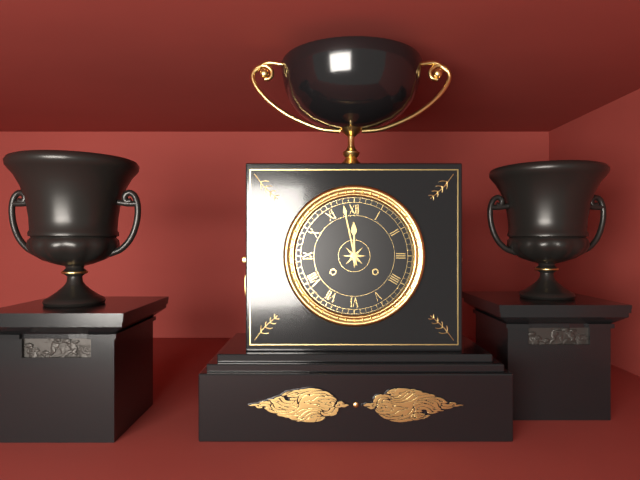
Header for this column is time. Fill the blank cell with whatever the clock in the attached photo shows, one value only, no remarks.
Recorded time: 11:58
